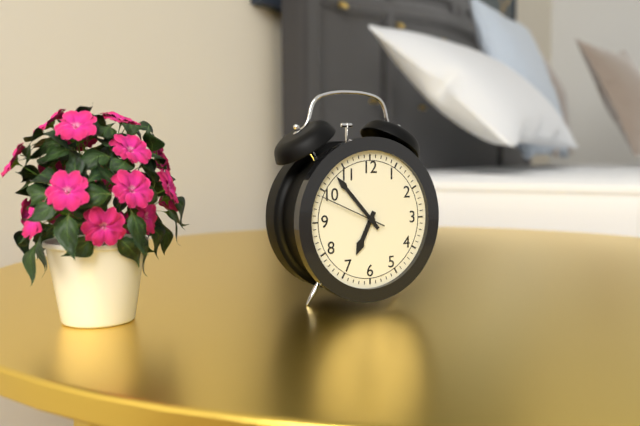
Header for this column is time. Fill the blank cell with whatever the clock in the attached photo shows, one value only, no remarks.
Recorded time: 6:53:49
